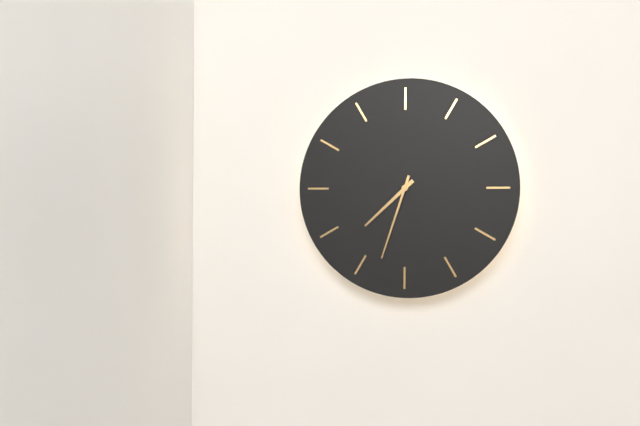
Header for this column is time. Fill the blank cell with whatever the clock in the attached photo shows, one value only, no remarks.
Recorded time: 7:33
